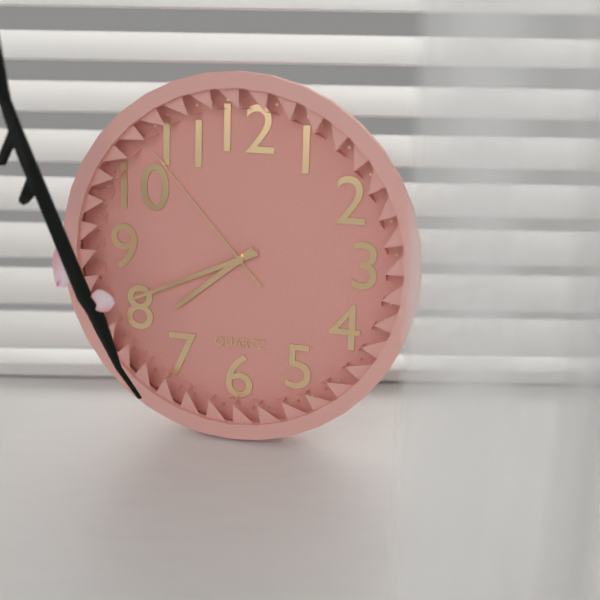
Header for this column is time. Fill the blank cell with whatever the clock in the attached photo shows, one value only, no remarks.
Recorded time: 7:41:53
